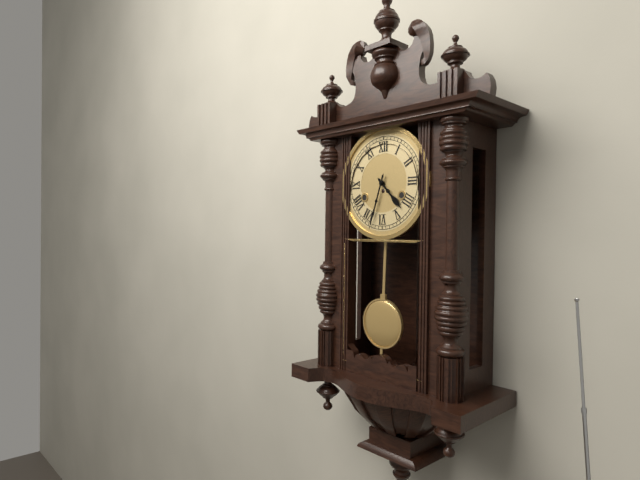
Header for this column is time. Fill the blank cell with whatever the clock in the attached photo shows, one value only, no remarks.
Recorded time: 4:33
